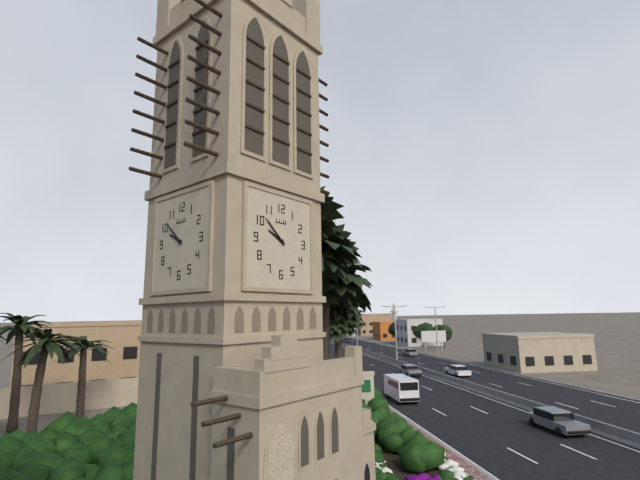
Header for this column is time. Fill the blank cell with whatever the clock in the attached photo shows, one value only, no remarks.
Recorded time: 9:52
